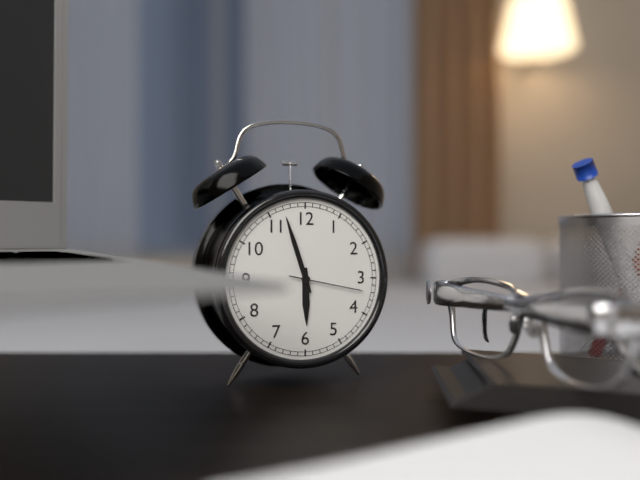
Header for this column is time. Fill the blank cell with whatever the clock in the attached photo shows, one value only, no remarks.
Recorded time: 5:57:17
